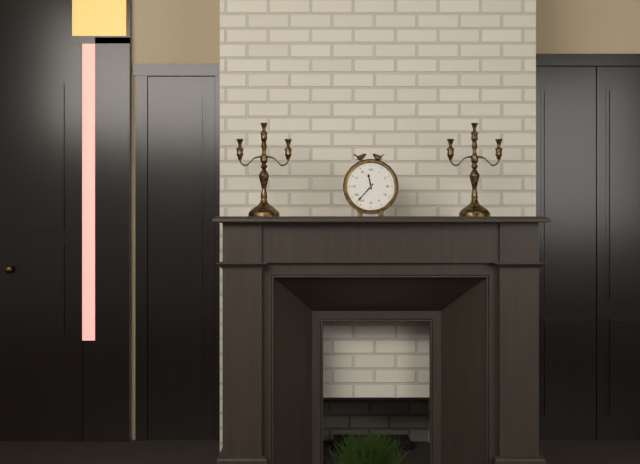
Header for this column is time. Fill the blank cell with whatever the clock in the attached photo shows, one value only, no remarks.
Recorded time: 11:37
